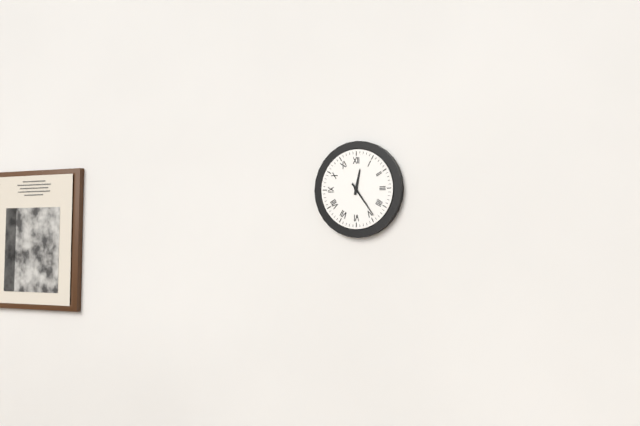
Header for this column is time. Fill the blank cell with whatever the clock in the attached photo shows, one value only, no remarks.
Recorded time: 12:24
